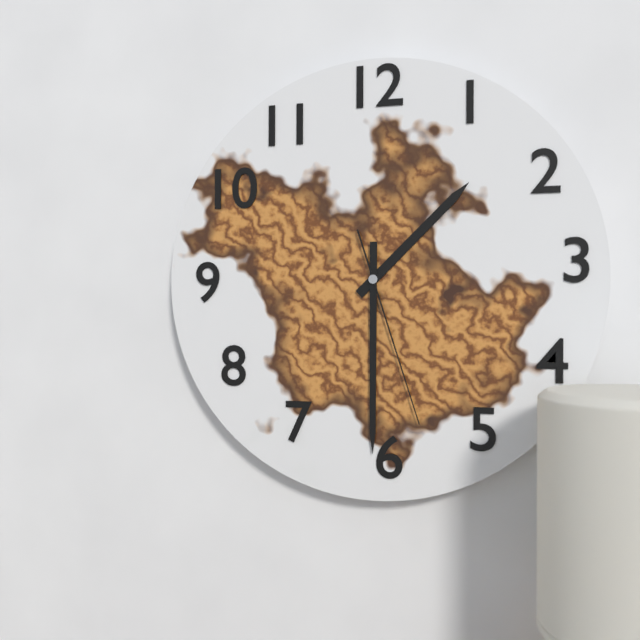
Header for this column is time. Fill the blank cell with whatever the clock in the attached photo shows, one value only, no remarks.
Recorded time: 1:30:27
